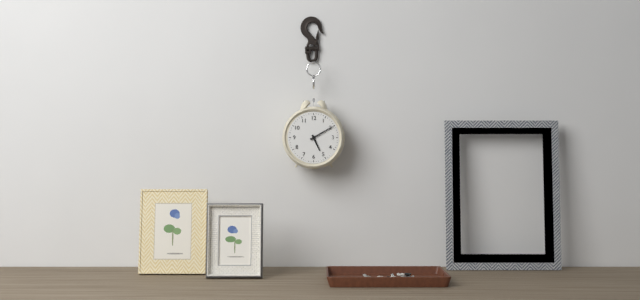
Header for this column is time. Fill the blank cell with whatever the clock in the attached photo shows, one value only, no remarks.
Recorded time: 5:10
